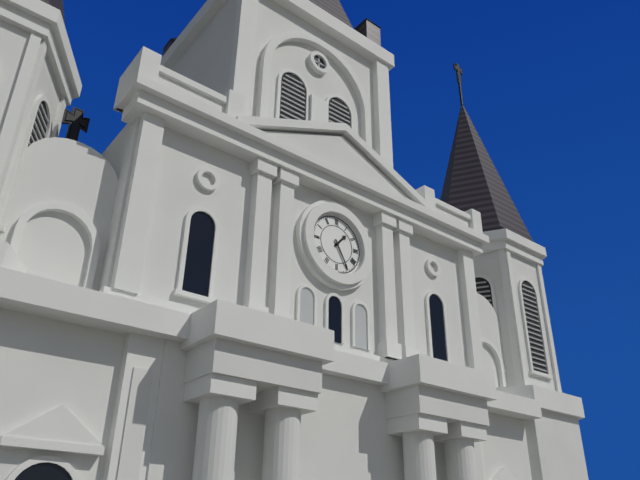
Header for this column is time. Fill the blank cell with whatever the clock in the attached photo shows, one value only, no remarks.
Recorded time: 1:25
